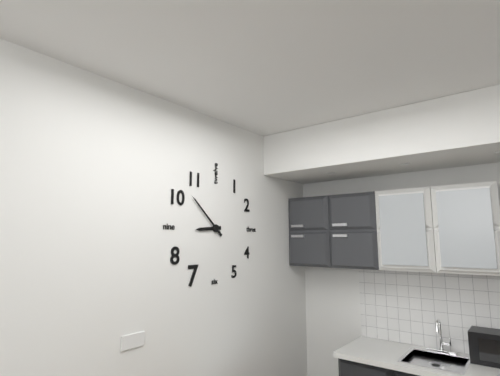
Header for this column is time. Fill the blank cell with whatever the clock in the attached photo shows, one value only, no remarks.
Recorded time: 8:52
